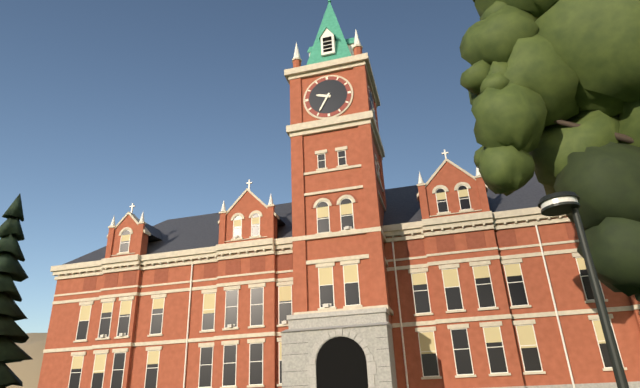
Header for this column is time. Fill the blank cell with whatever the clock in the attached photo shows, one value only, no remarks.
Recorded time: 9:35
